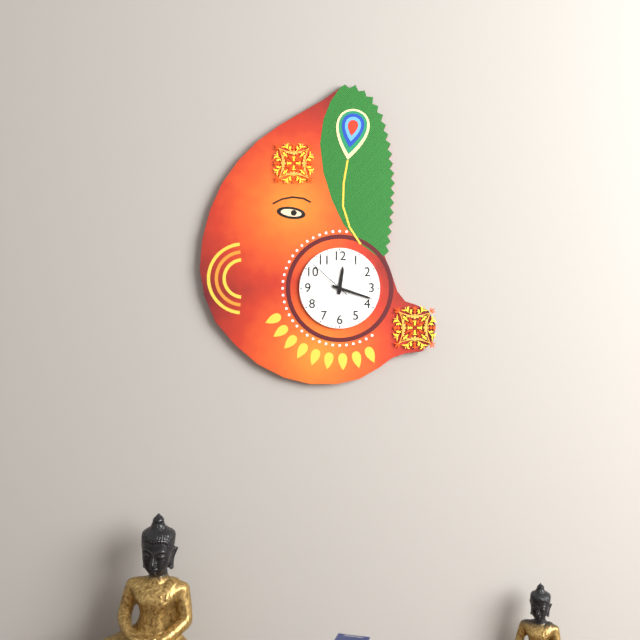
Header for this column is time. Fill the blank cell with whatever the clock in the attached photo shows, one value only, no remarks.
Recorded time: 12:18
